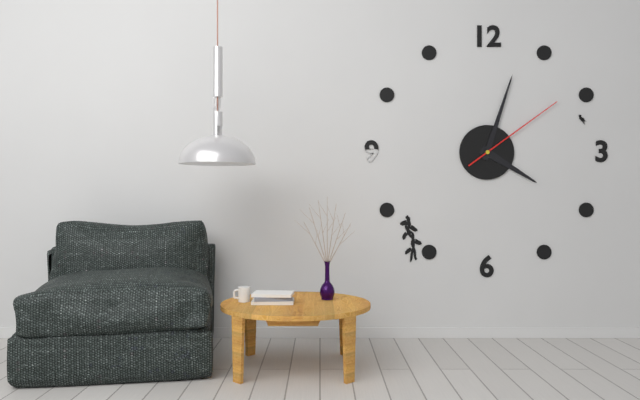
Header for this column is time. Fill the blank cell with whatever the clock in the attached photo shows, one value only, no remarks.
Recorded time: 4:03:09
